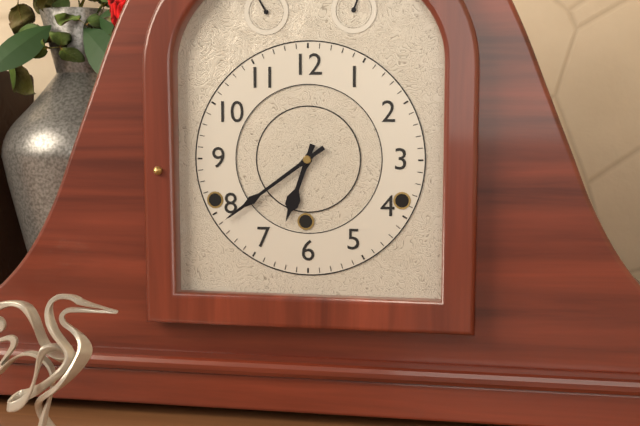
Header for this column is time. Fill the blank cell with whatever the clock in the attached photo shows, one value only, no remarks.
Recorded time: 6:39
